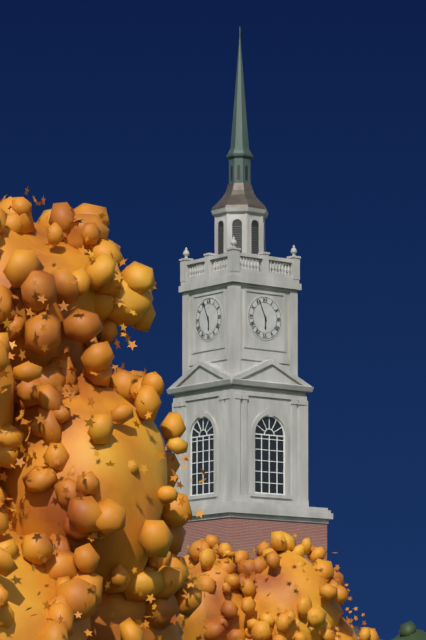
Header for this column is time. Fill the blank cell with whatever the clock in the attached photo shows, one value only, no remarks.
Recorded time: 5:56
